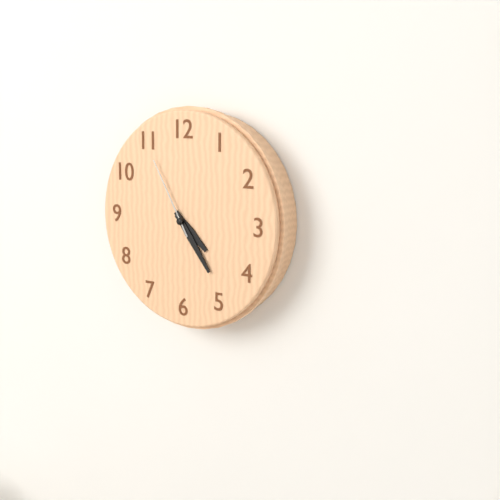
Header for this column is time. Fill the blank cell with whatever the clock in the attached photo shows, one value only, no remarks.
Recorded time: 4:24:55
